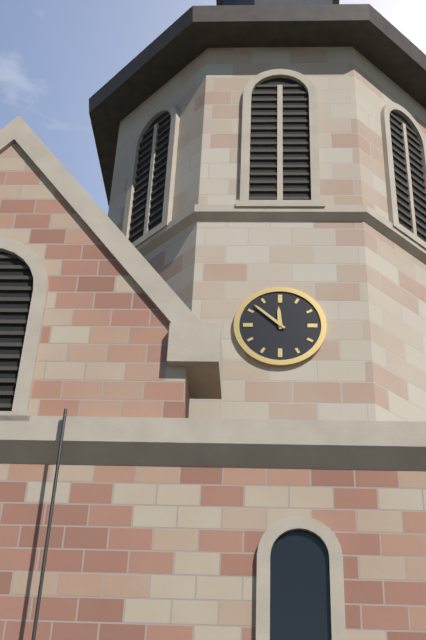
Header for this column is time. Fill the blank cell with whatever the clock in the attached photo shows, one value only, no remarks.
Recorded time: 11:52
